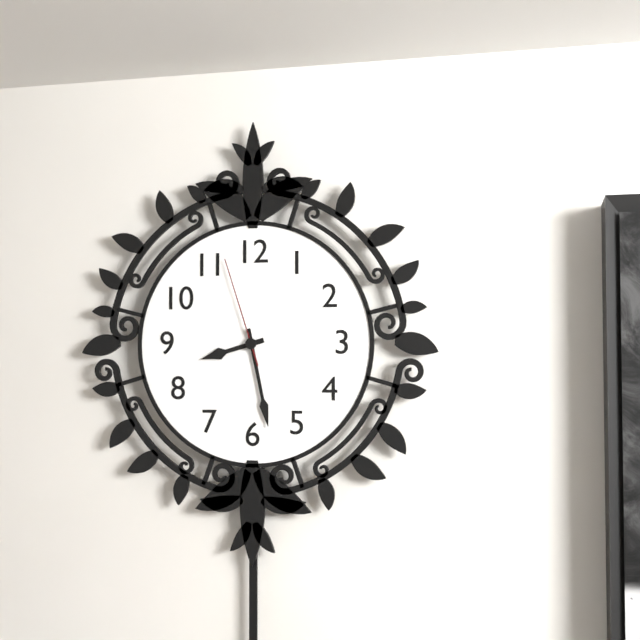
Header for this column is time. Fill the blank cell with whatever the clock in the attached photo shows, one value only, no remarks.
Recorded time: 8:28:57
